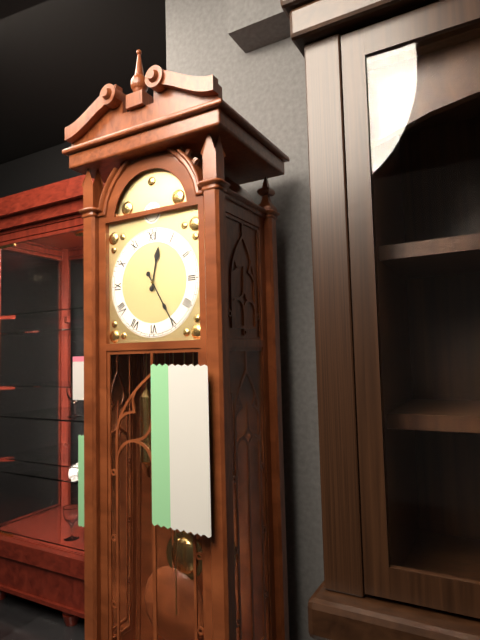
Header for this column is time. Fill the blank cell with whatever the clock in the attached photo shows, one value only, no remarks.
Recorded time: 12:25
